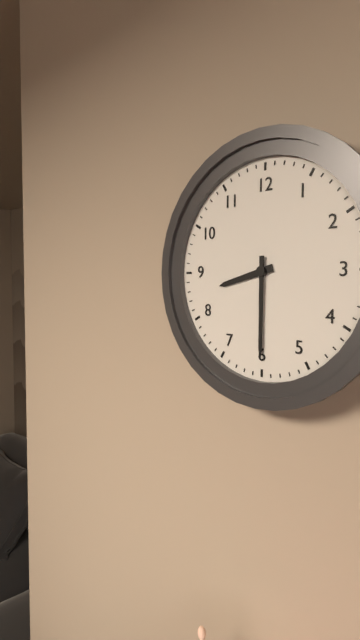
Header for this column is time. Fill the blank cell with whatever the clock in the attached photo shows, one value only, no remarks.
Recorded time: 8:30
